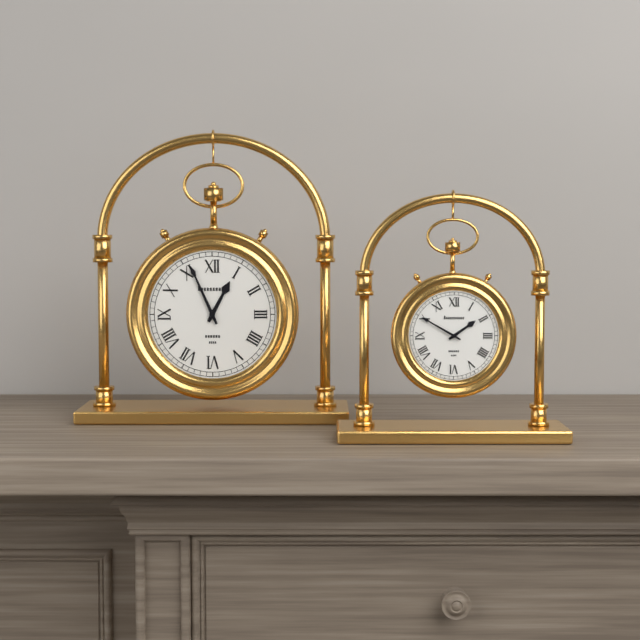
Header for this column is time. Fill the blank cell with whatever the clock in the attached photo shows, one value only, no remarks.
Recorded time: 12:56
